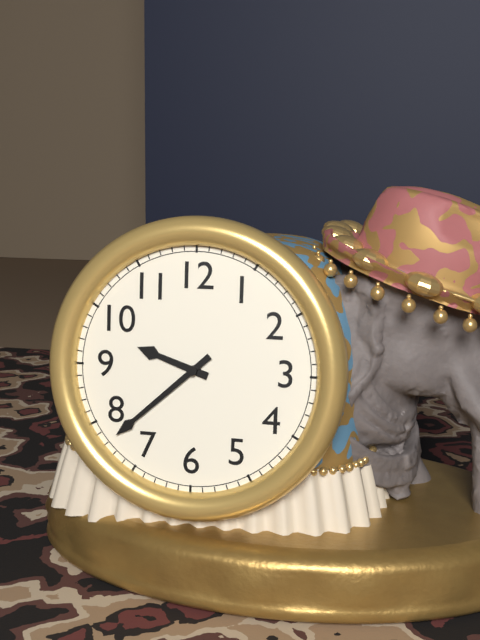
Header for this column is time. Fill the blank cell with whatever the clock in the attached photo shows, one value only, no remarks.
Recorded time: 9:38
